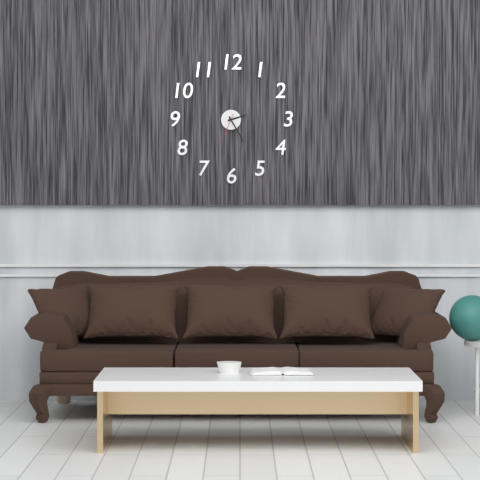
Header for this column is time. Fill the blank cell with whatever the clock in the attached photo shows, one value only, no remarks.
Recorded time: 2:25
